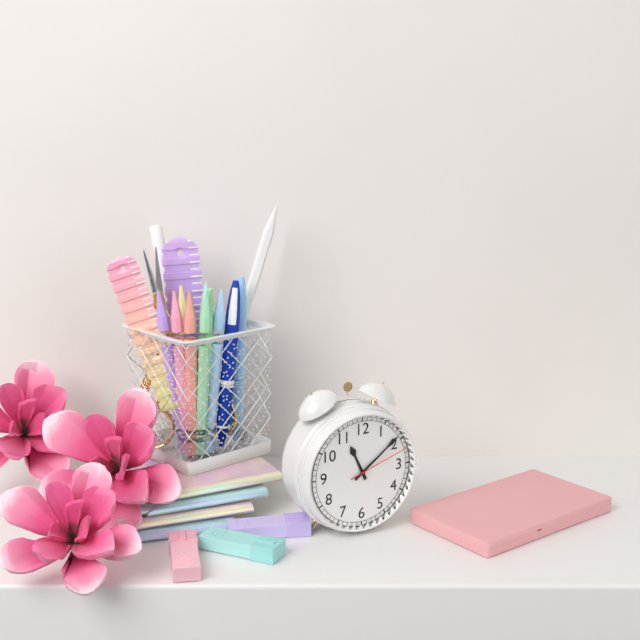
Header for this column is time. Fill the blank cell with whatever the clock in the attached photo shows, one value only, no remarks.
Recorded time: 11:09:12
